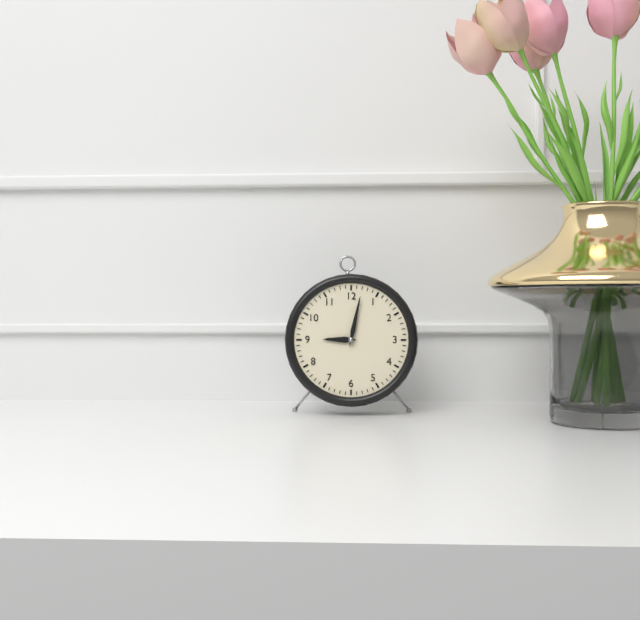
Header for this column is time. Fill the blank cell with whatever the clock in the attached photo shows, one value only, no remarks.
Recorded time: 9:02
